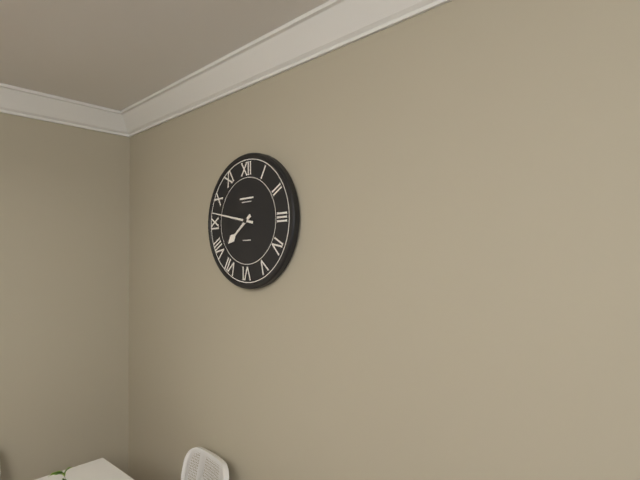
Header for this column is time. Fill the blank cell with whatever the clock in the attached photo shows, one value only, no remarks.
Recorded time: 7:47
